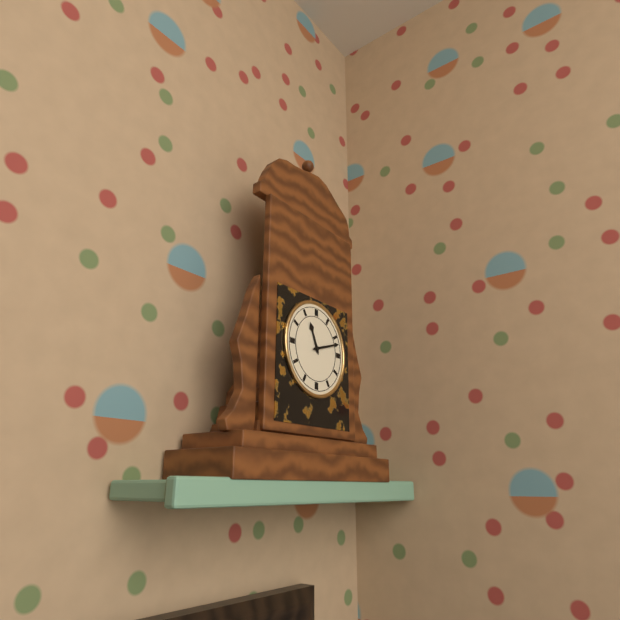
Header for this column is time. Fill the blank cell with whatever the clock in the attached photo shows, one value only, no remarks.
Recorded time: 11:12
